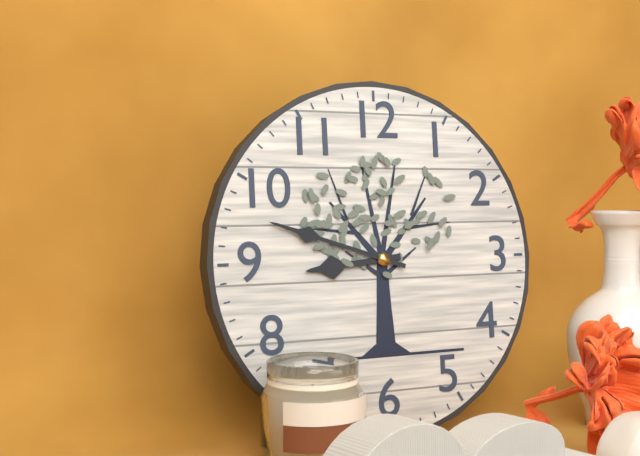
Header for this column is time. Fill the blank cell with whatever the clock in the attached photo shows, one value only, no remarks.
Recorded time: 8:48
